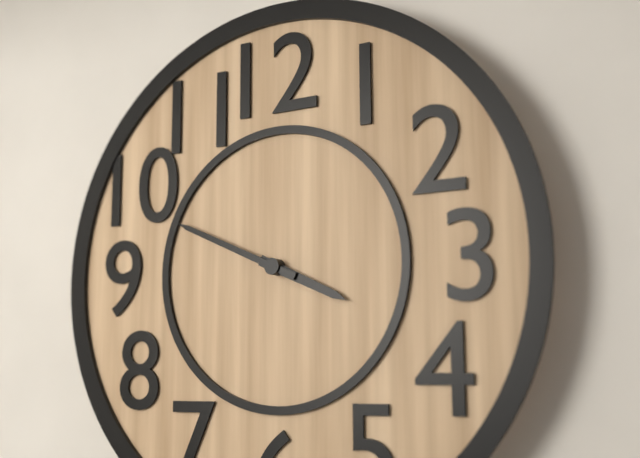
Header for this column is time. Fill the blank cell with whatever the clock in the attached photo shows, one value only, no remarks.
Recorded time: 3:49
